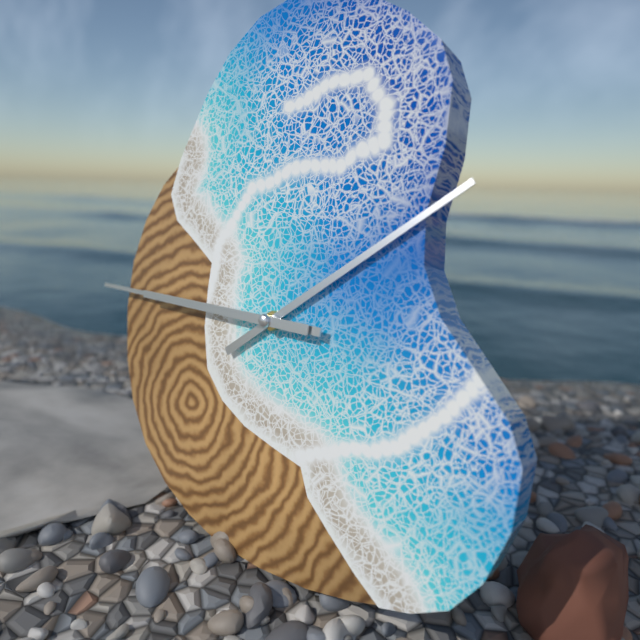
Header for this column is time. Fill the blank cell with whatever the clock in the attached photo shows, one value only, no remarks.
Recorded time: 1:45:45
